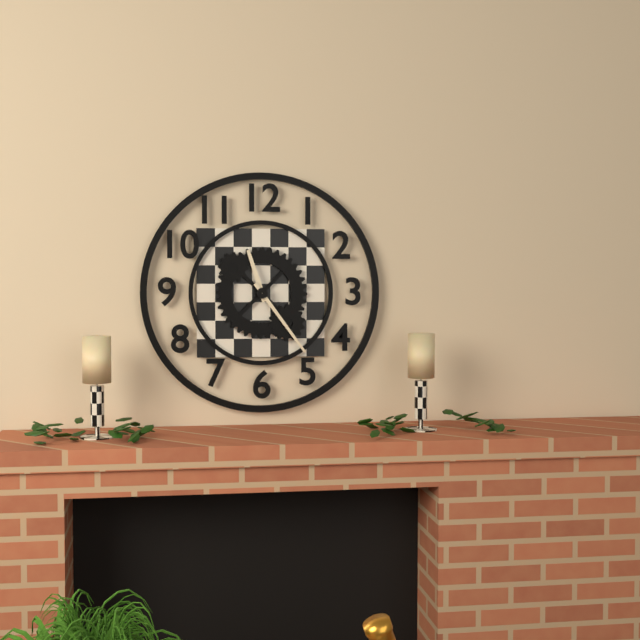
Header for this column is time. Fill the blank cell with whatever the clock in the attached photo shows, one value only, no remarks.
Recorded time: 11:24
